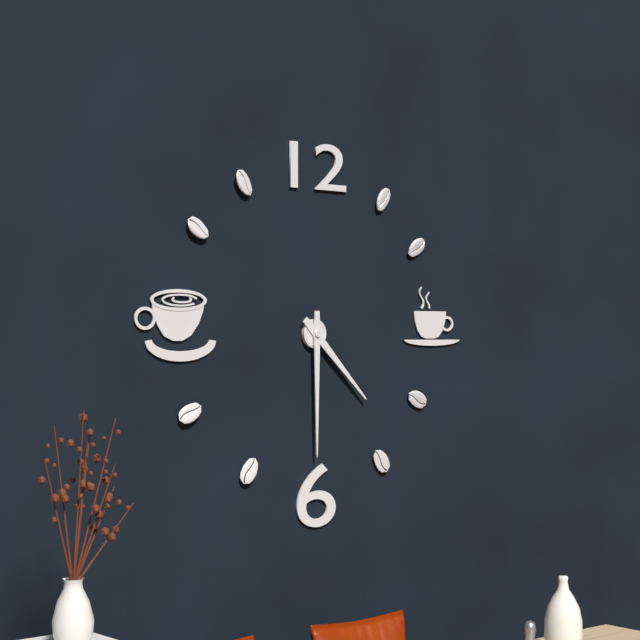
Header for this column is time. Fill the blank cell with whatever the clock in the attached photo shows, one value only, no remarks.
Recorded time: 4:30
